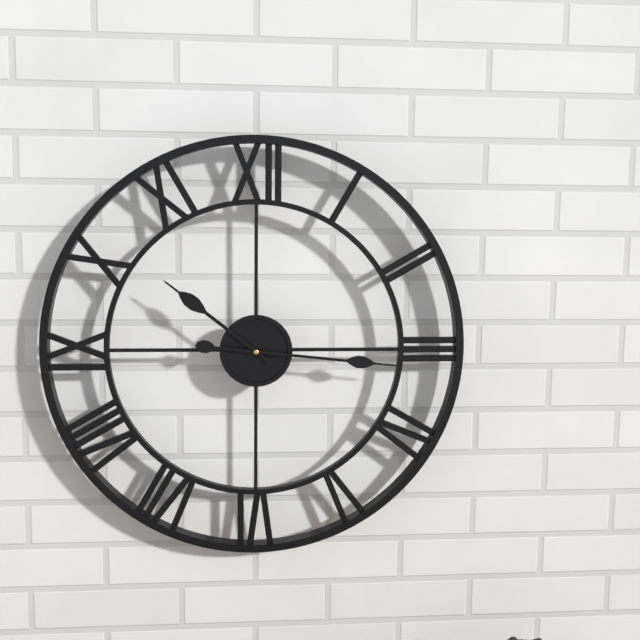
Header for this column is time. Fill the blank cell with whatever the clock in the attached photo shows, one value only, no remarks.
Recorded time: 10:16
